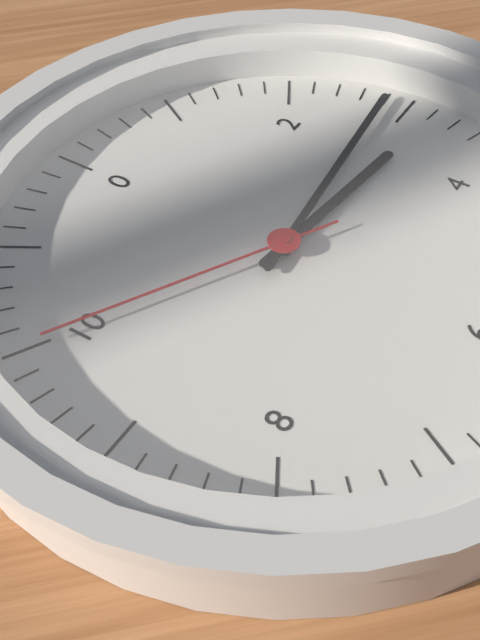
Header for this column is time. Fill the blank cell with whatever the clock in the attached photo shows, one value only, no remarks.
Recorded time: 3:14:50
